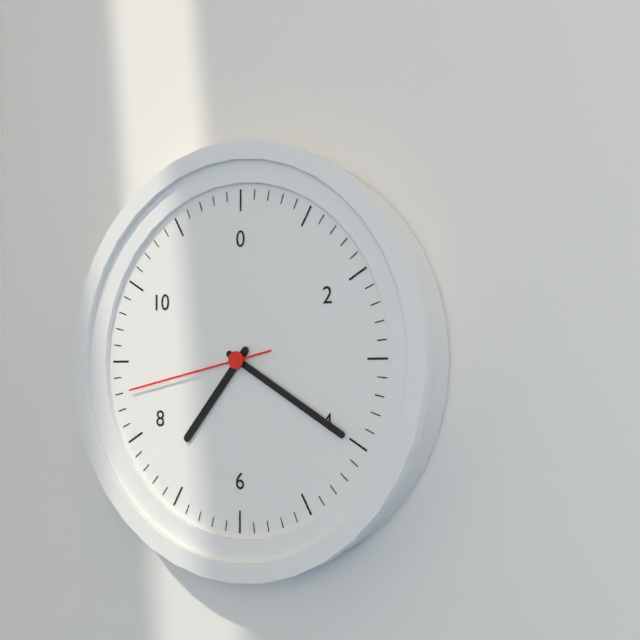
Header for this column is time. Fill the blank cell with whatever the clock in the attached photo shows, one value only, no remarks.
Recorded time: 7:20:43
